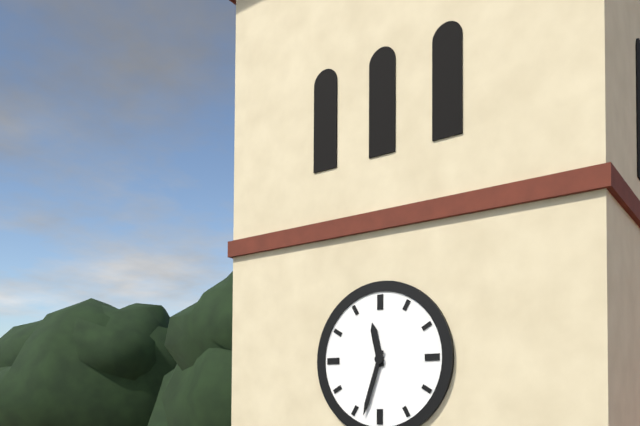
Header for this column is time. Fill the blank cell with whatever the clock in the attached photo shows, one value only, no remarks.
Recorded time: 11:33
